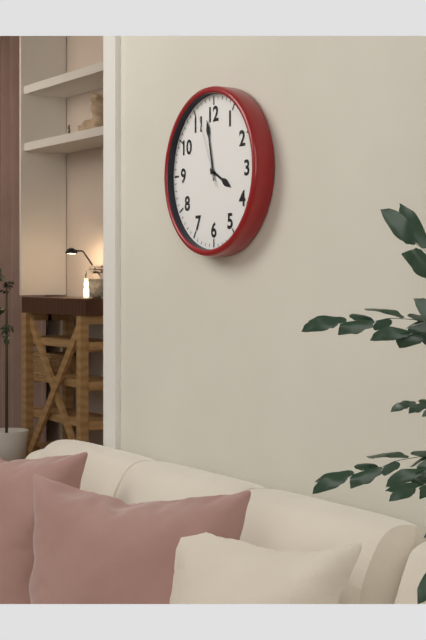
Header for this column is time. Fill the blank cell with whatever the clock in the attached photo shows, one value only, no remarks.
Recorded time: 3:58:56
